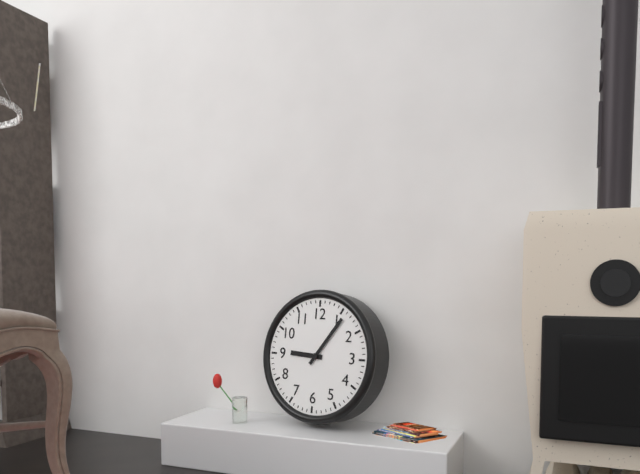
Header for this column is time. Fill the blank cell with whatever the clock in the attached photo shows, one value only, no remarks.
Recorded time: 9:06
